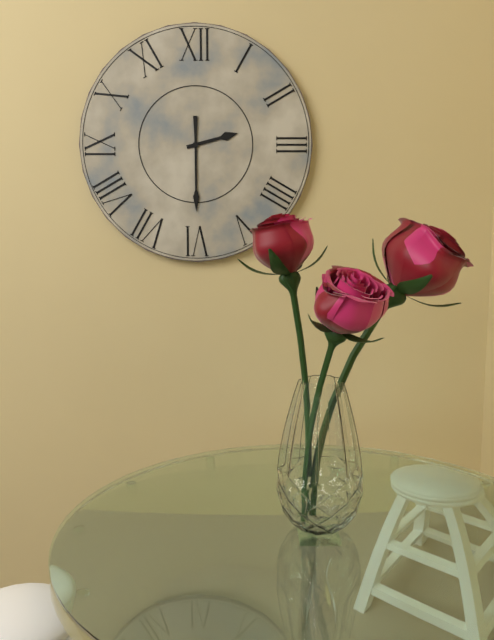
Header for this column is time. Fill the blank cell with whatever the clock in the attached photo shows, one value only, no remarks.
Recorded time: 2:30
